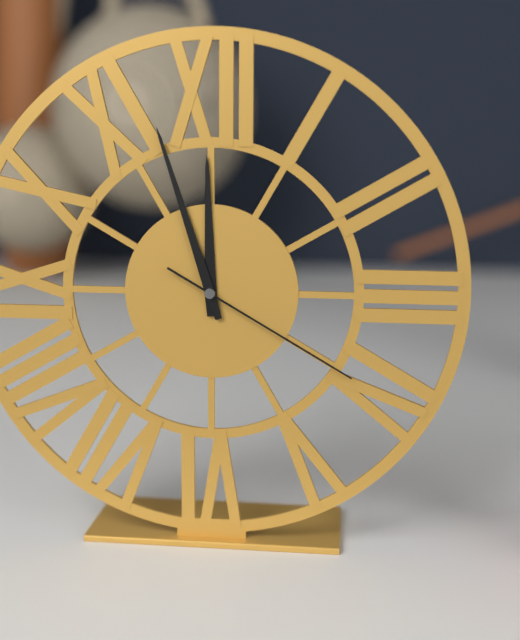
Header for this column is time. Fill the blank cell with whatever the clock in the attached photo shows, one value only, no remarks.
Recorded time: 11:57:20
